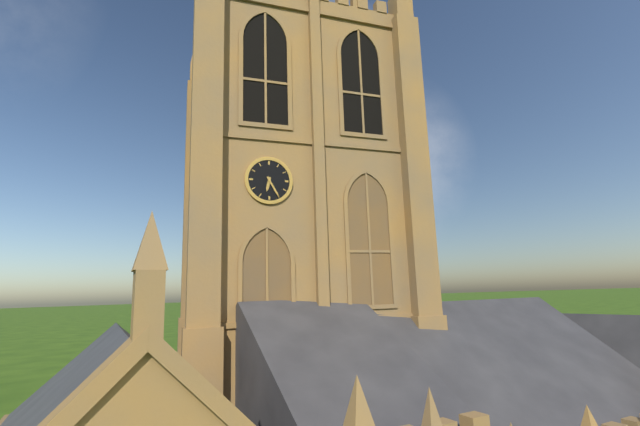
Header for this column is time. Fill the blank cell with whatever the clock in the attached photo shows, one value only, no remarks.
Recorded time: 6:25
